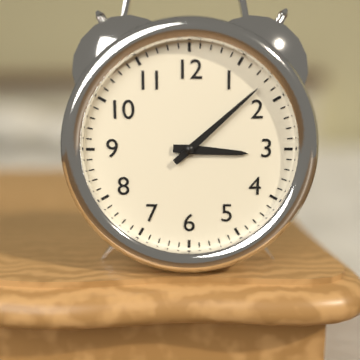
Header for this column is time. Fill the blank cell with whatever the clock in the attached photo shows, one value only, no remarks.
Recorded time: 3:08
